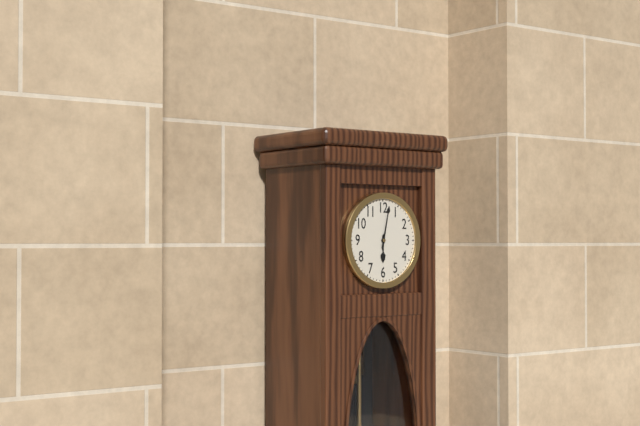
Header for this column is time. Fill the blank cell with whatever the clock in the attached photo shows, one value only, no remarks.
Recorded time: 6:02
